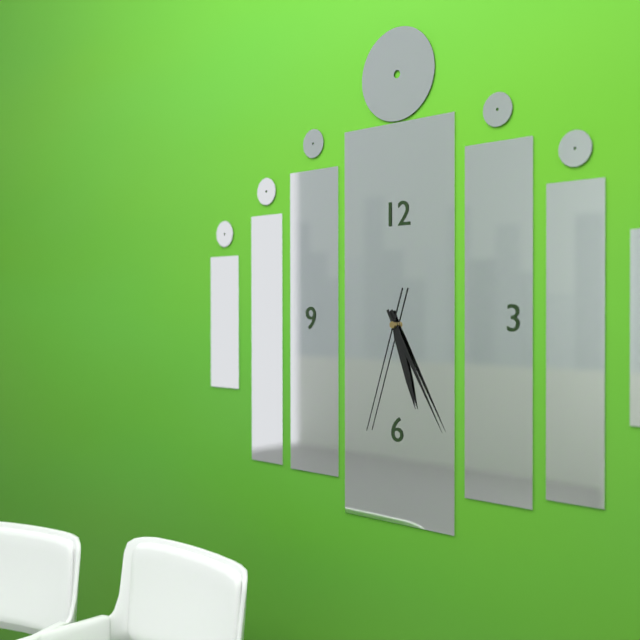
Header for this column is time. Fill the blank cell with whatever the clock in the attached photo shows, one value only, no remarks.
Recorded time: 5:25:33
